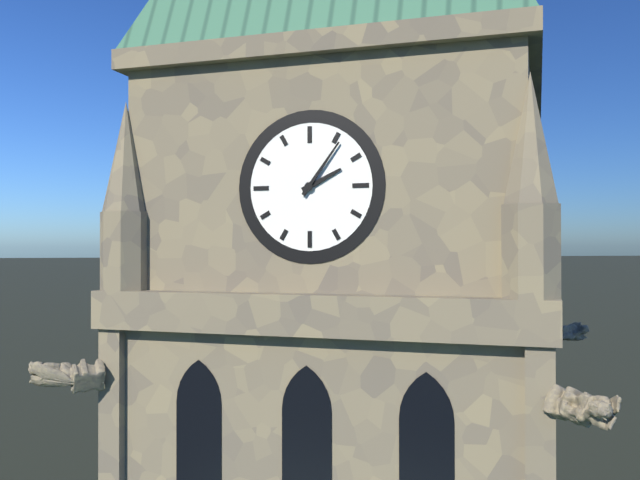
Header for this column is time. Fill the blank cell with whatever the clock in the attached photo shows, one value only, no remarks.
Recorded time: 2:06
